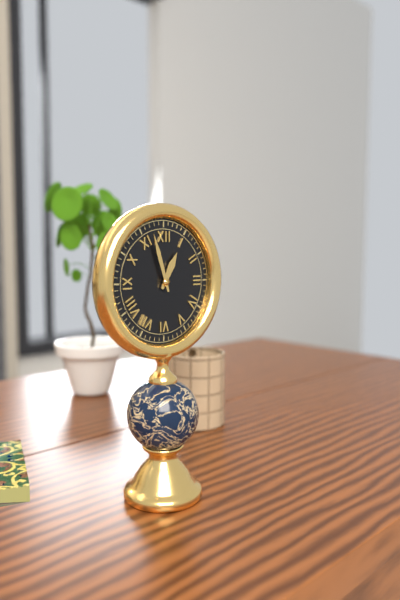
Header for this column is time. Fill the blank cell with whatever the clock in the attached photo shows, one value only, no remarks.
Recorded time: 12:57
